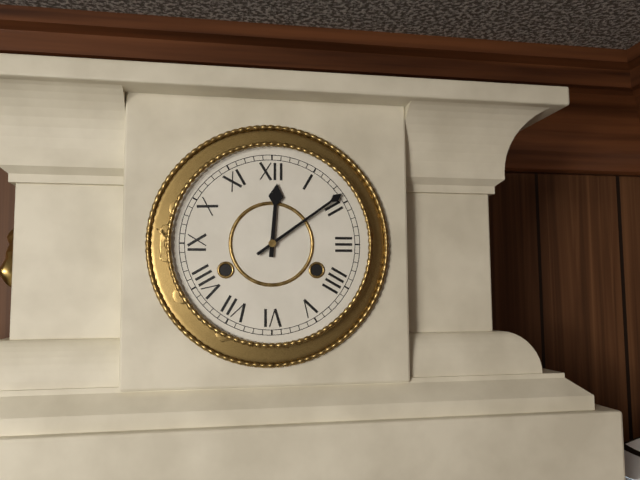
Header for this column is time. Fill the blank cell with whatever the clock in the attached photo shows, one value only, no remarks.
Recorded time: 12:09
